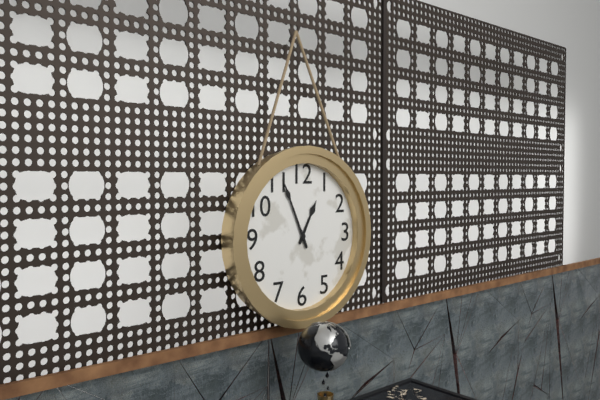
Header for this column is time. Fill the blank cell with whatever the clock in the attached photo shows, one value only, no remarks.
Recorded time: 12:56
